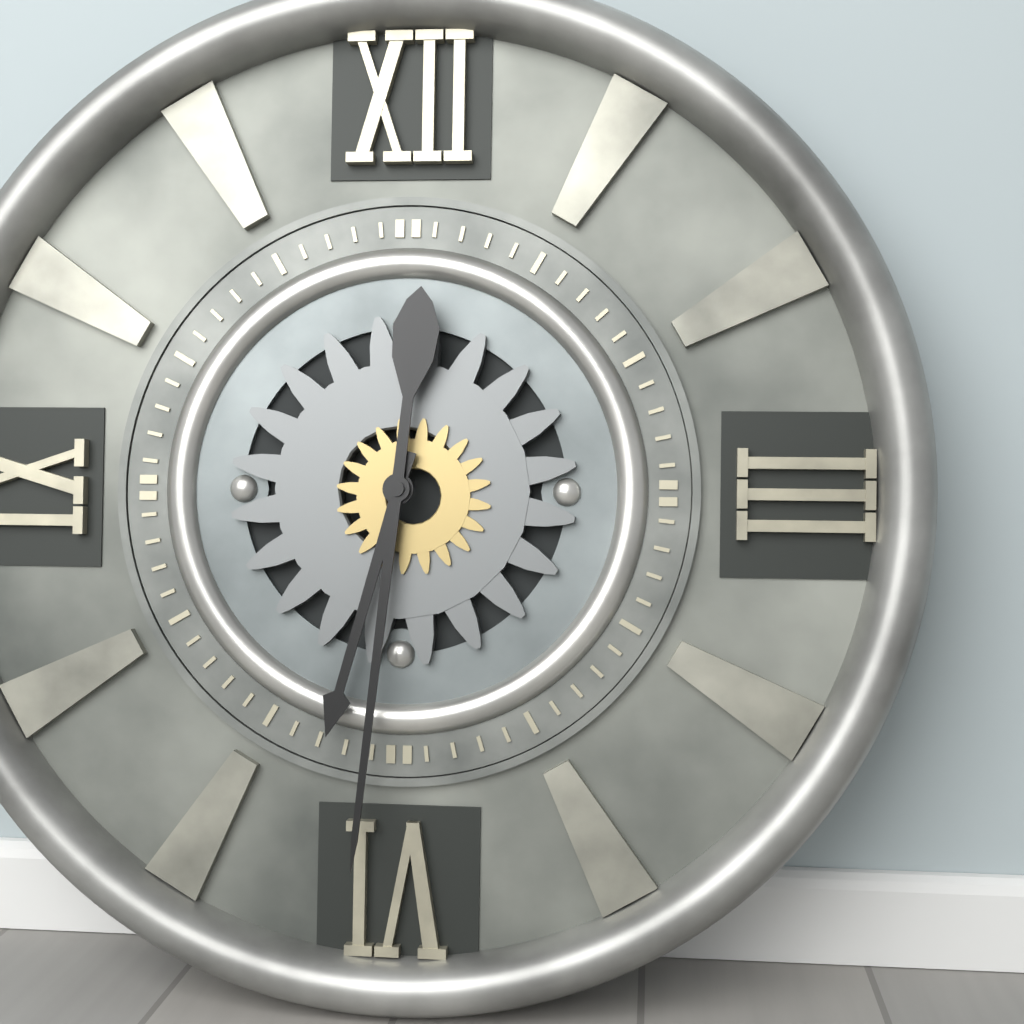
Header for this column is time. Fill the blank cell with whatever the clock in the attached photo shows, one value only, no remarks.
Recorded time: 6:31
